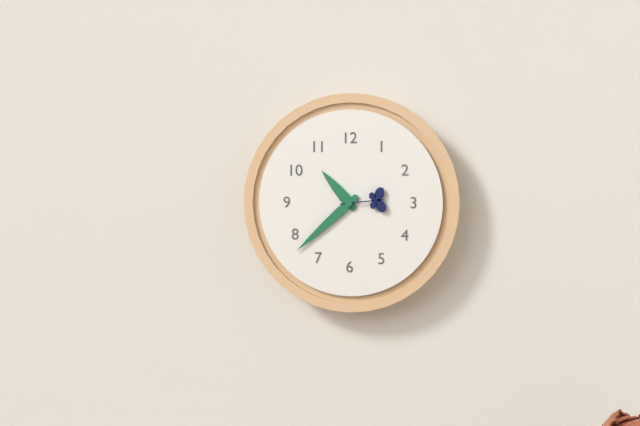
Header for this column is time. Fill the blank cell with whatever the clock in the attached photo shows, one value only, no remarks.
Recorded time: 10:38
